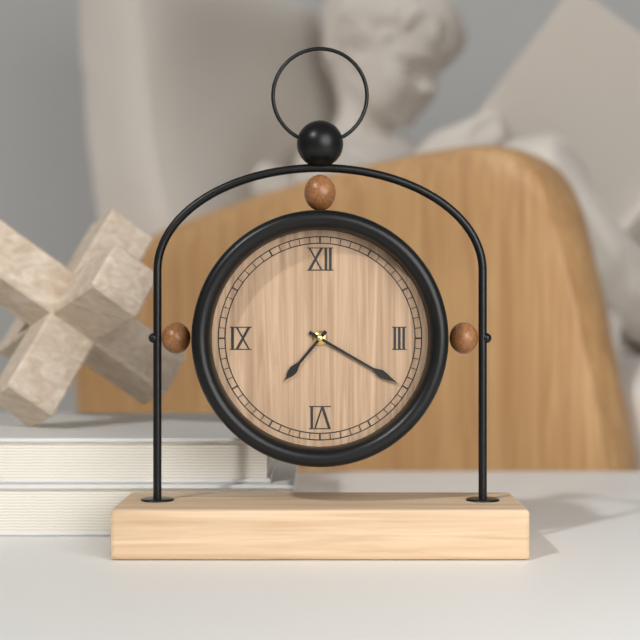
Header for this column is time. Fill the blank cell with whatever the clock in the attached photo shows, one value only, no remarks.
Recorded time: 7:20
